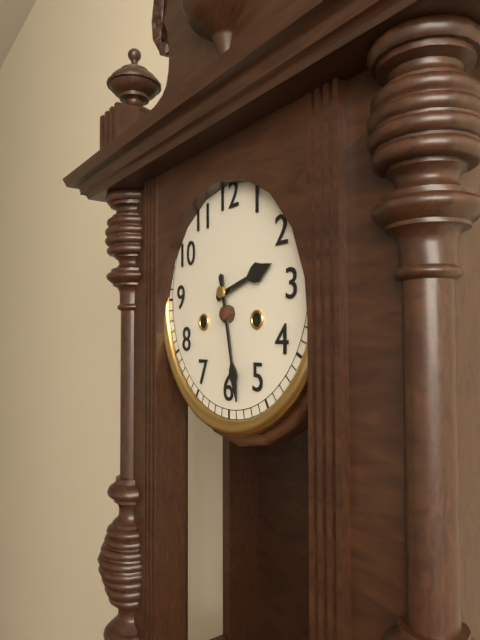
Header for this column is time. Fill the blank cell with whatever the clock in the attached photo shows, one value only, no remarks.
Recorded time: 2:28
